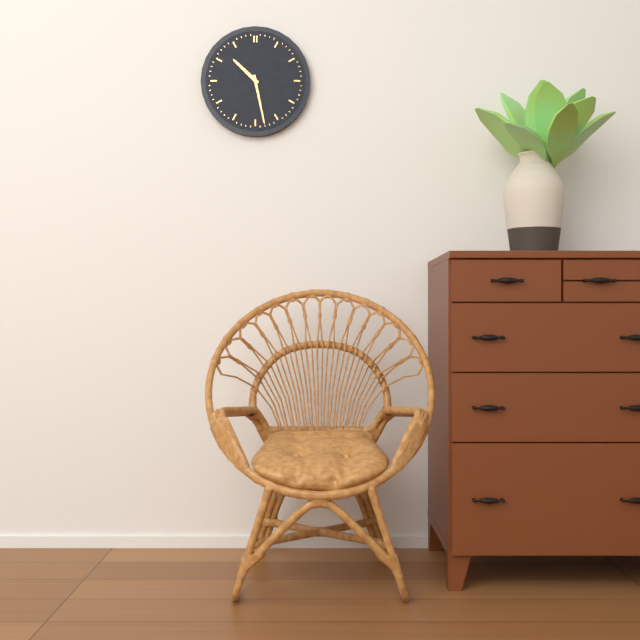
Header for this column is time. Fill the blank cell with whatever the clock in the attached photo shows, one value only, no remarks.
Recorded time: 10:28
